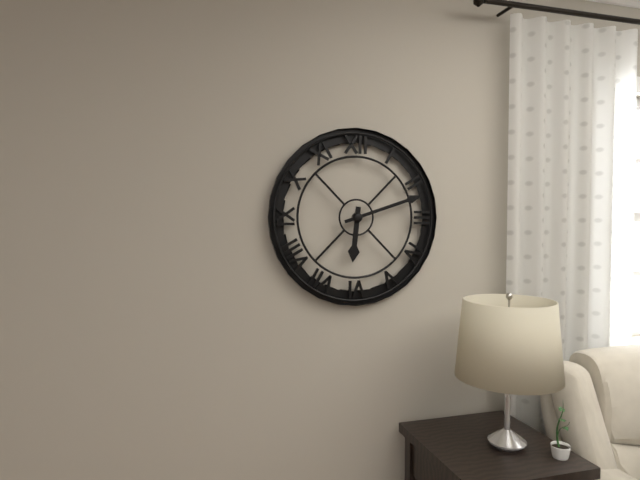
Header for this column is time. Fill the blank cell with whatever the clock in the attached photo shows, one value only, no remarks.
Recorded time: 6:12
